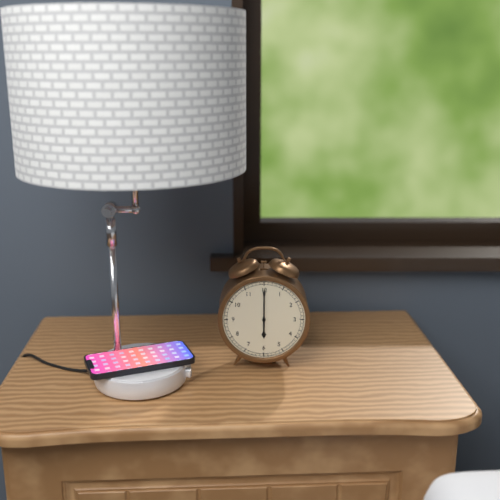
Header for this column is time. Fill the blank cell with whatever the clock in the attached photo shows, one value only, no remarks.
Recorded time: 6:00
